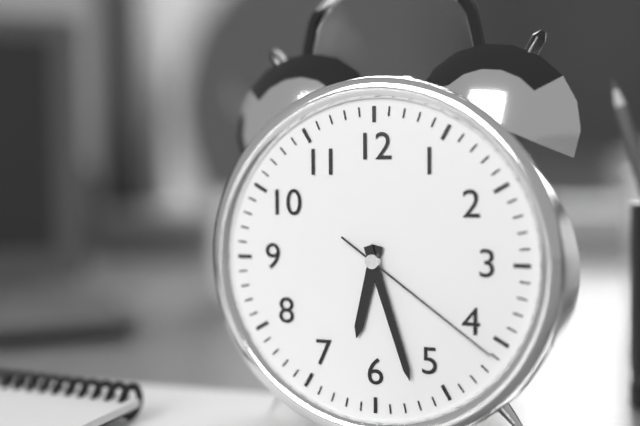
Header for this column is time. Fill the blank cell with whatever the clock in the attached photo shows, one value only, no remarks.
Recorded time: 6:27:21
